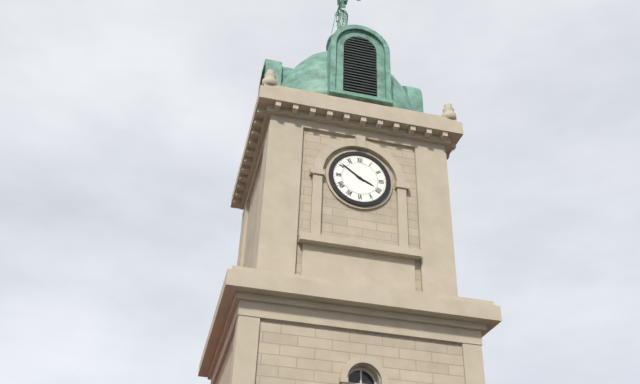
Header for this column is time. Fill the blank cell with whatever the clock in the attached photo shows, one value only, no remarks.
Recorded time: 3:51
